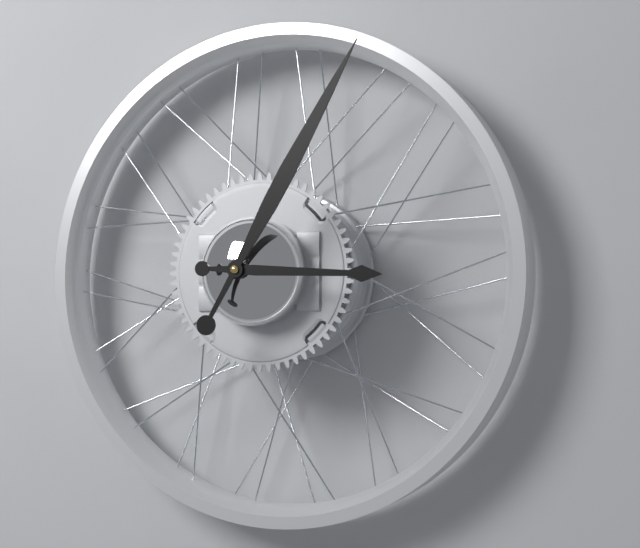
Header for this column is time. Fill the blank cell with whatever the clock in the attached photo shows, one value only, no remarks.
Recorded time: 3:05
